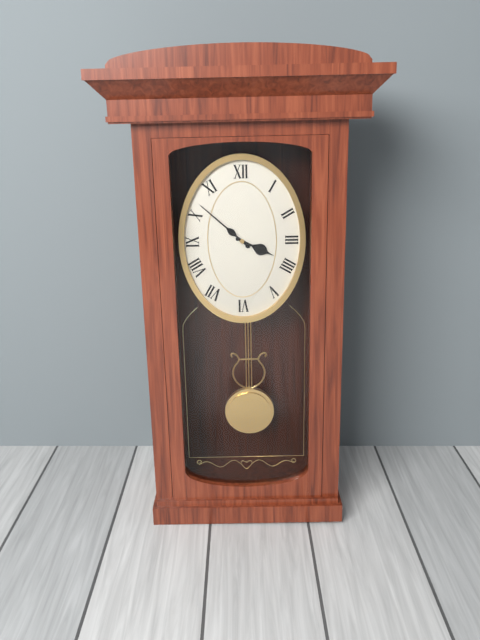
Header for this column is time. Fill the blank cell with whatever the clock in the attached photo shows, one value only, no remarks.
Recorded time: 3:52
